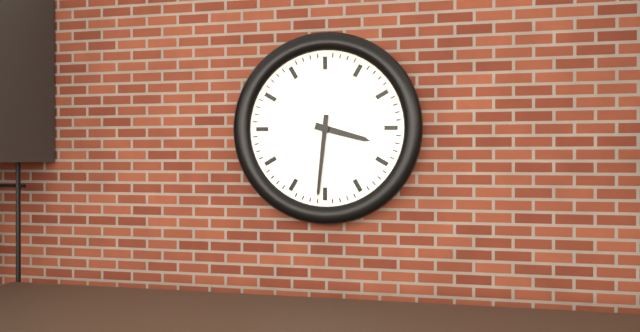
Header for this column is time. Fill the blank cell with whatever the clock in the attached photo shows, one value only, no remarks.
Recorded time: 3:31
